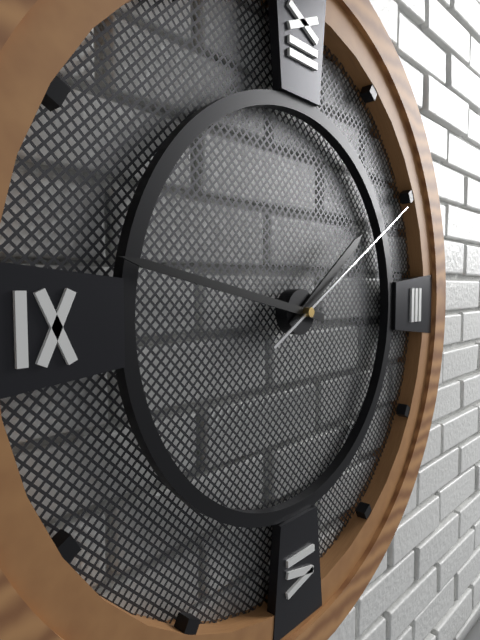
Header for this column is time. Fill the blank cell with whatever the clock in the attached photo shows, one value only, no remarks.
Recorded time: 1:47:10
